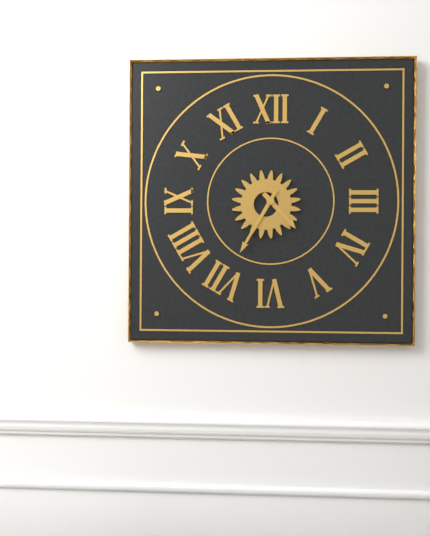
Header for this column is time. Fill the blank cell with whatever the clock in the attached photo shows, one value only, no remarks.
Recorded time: 4:35
